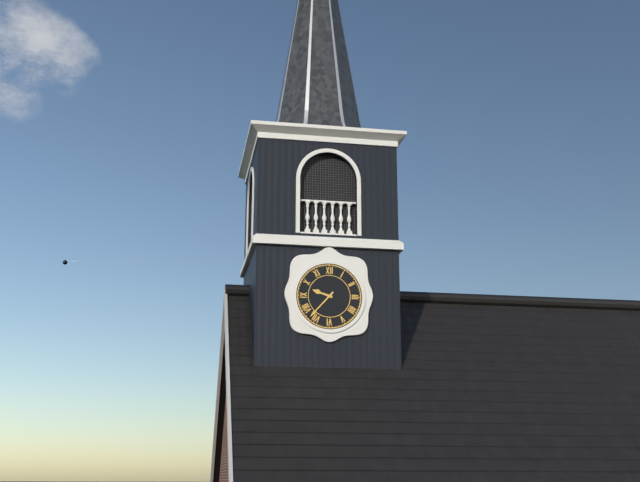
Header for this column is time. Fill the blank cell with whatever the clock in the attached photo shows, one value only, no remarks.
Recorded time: 9:37
